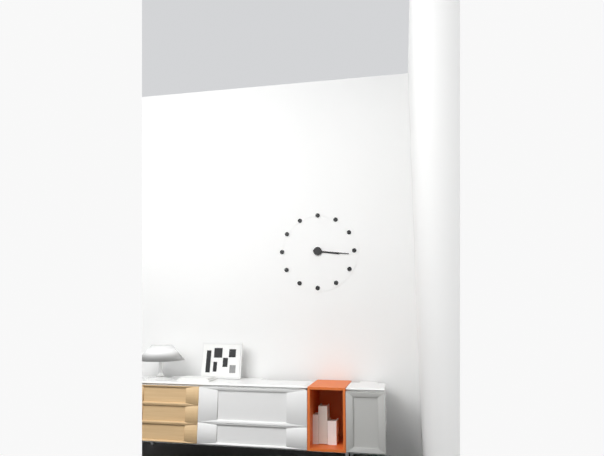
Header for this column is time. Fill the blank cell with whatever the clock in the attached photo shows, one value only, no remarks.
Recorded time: 3:16
